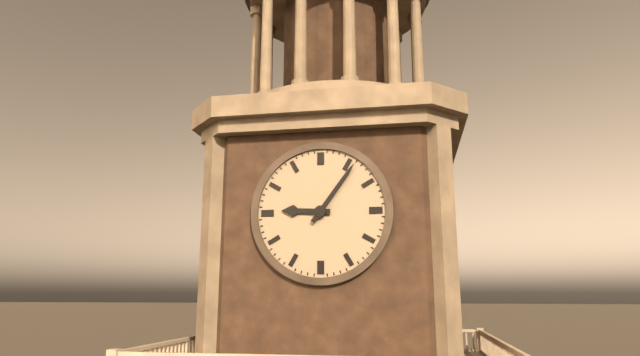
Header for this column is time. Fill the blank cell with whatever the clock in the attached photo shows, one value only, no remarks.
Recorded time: 9:06
